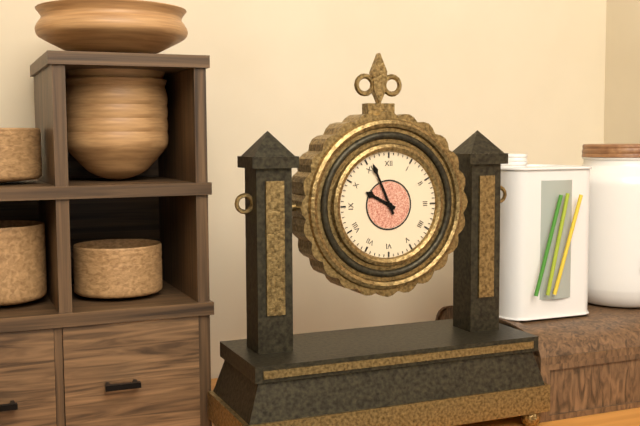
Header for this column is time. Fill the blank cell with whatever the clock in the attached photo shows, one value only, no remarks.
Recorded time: 9:56
